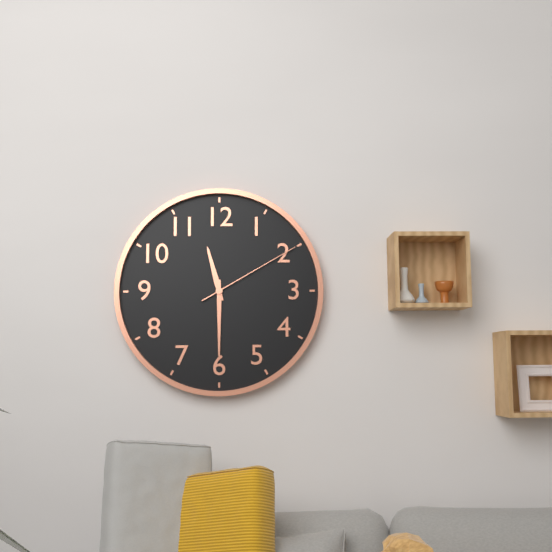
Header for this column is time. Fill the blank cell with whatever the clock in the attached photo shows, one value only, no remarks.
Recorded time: 11:30:10
